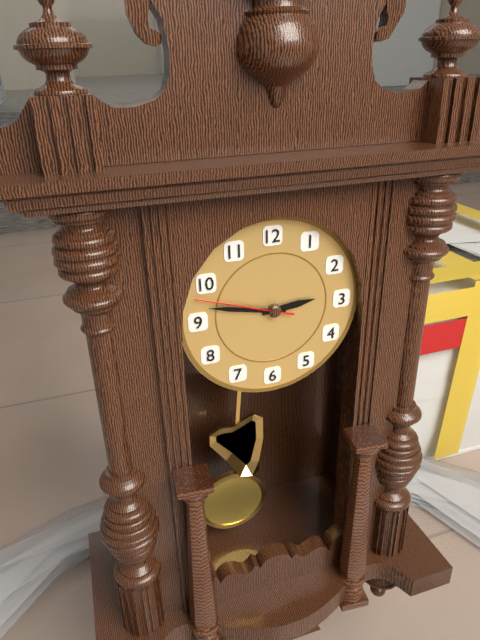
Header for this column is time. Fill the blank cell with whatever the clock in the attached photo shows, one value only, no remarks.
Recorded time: 2:47:48
